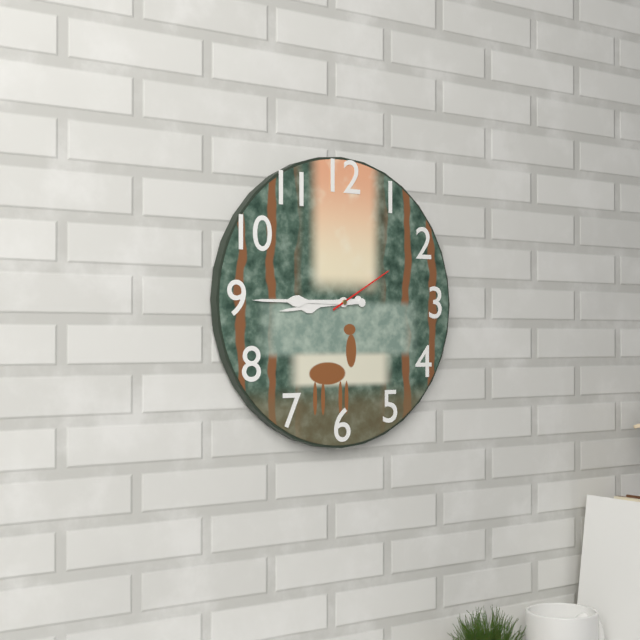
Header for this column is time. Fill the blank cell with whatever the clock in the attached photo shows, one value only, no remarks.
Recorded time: 8:45:10
